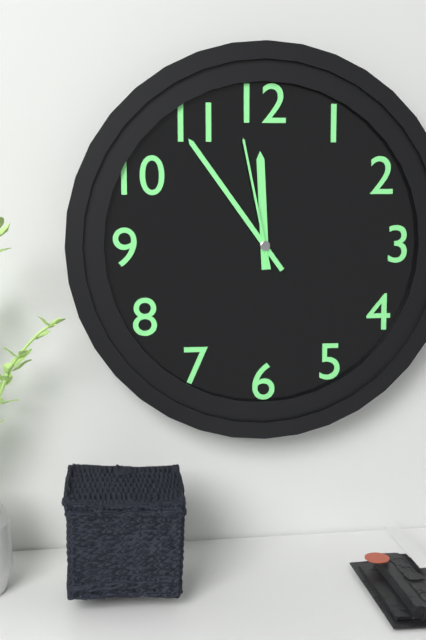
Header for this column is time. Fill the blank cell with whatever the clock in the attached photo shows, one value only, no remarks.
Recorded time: 11:54:58
